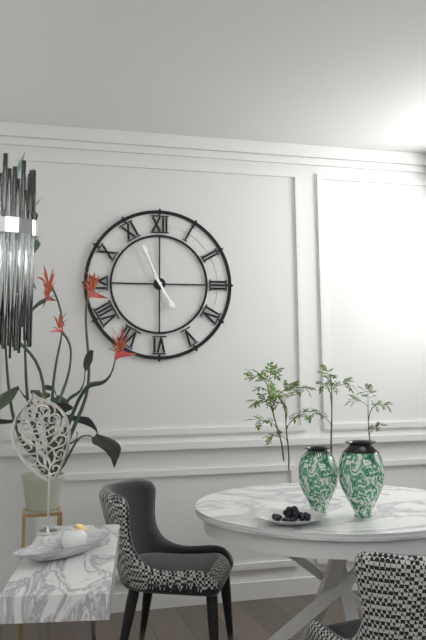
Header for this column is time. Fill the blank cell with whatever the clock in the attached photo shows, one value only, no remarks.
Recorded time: 4:56
